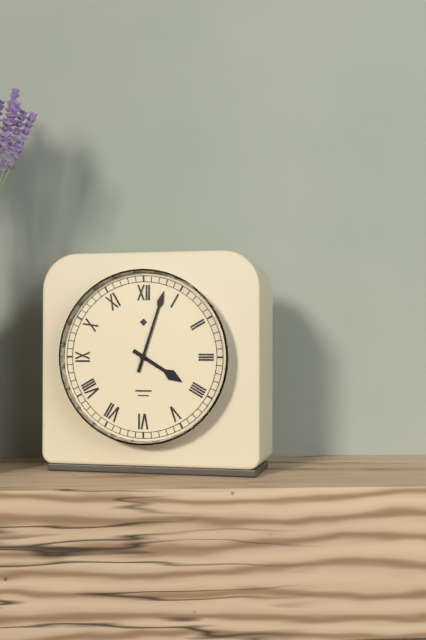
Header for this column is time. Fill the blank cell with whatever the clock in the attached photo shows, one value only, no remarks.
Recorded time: 4:03
